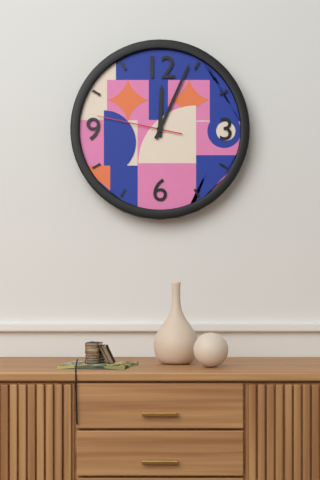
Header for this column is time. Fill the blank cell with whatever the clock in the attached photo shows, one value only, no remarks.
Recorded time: 12:04:47
